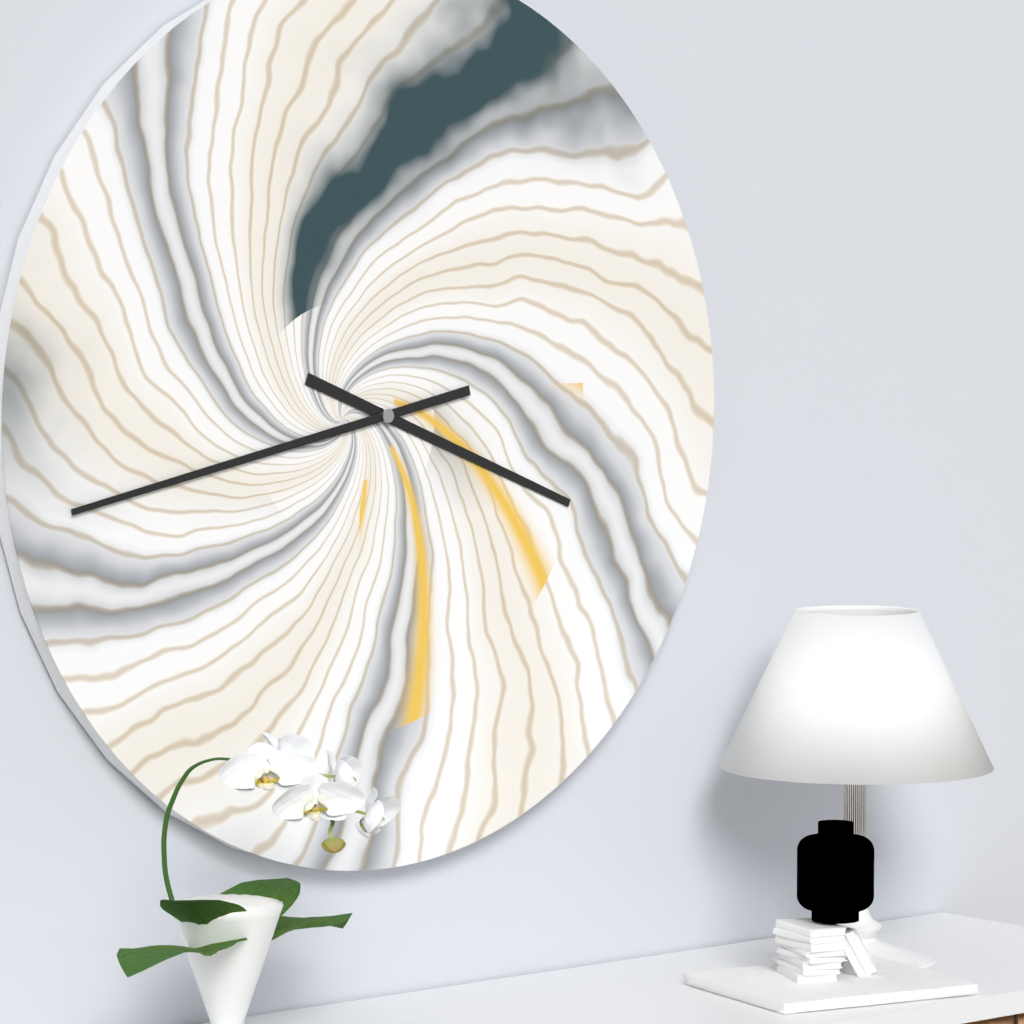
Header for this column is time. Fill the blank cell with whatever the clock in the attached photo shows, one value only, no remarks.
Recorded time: 3:43
